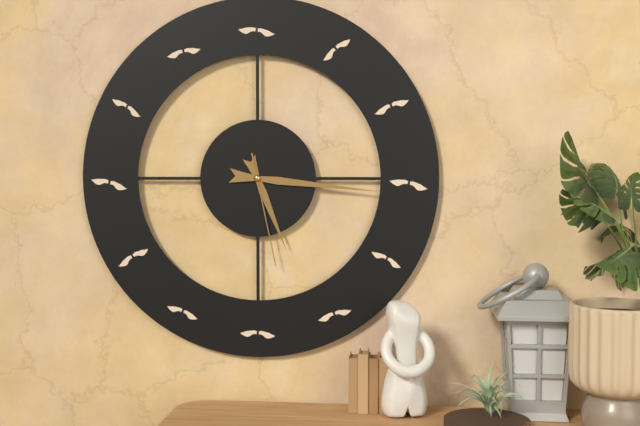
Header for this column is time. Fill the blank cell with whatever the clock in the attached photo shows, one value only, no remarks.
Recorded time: 5:16:28
